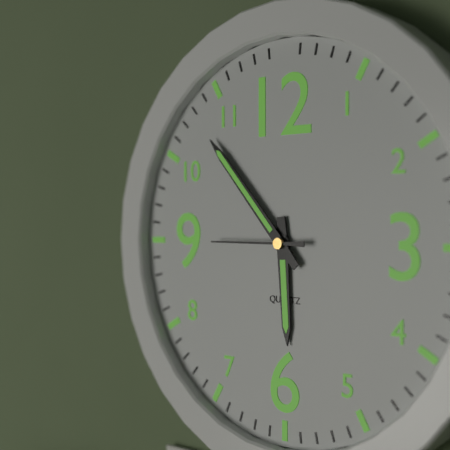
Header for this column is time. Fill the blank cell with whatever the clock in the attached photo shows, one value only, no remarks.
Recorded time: 5:53:45
